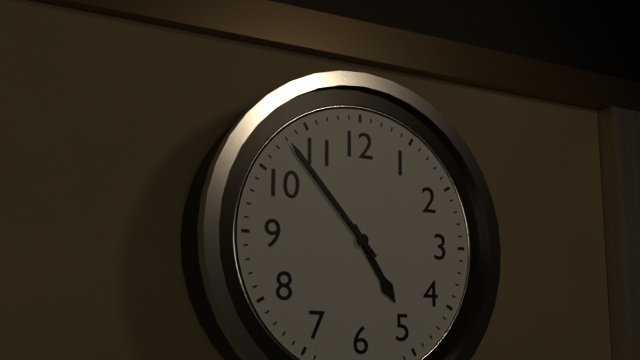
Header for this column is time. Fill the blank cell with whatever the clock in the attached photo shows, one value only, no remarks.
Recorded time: 4:53
